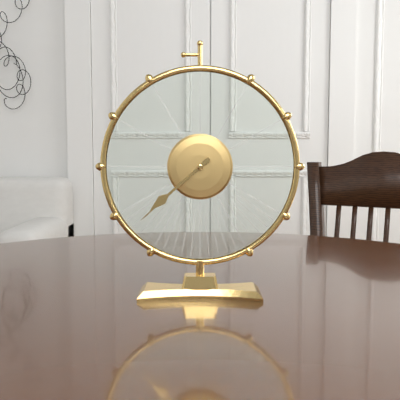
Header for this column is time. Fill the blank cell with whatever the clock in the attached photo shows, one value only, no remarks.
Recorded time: 7:38
